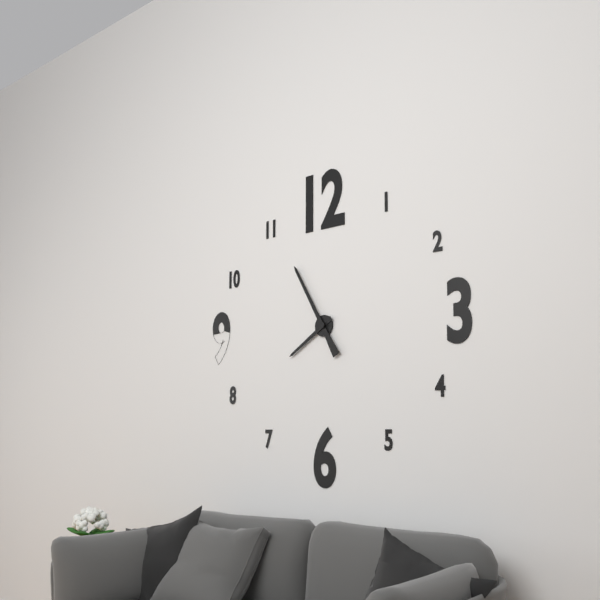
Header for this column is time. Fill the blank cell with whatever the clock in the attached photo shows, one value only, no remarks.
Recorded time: 7:55
